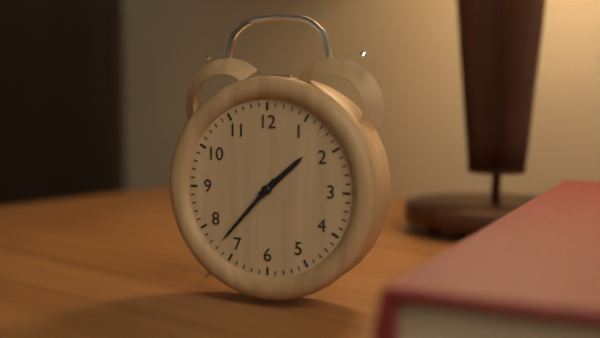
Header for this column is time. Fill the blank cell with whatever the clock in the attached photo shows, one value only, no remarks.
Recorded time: 1:37
